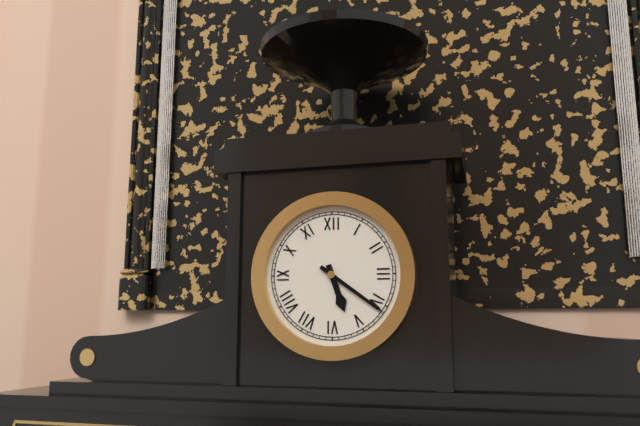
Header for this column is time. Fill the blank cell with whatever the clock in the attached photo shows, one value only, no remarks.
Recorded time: 5:21
